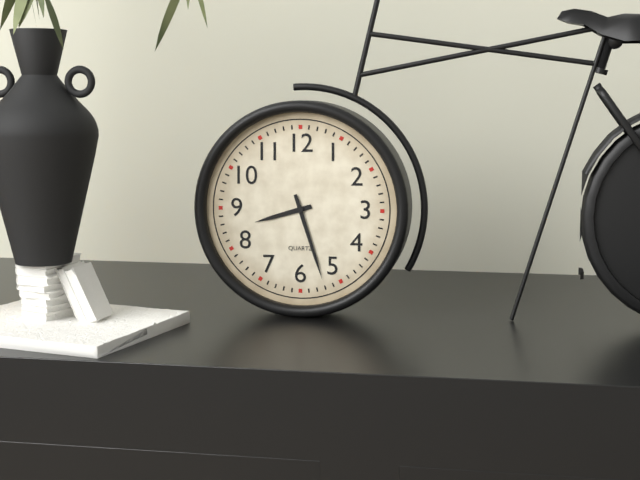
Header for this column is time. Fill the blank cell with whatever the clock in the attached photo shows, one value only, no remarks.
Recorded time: 8:27
